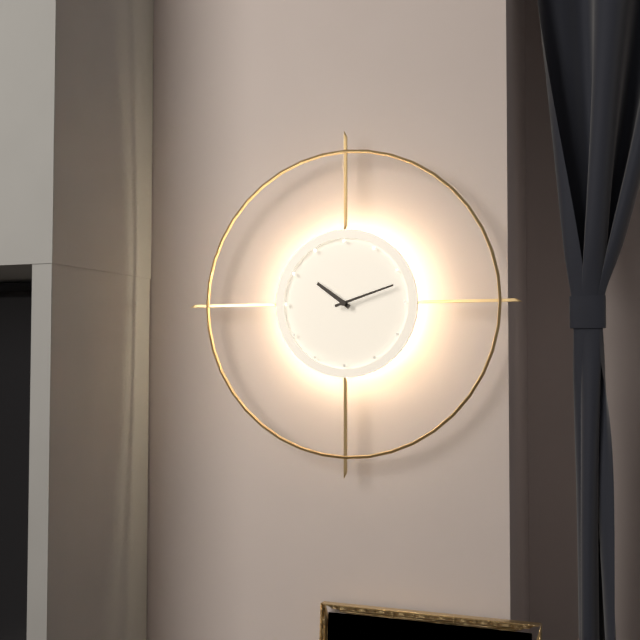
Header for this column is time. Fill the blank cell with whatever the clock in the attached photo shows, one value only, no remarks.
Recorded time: 10:12
